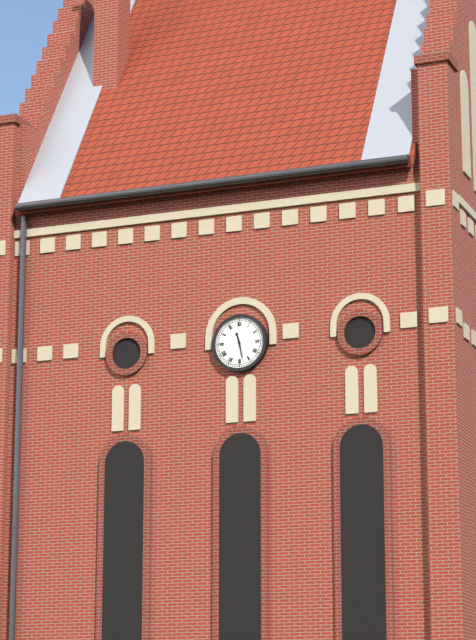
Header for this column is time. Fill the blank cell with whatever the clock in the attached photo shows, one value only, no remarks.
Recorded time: 11:28
